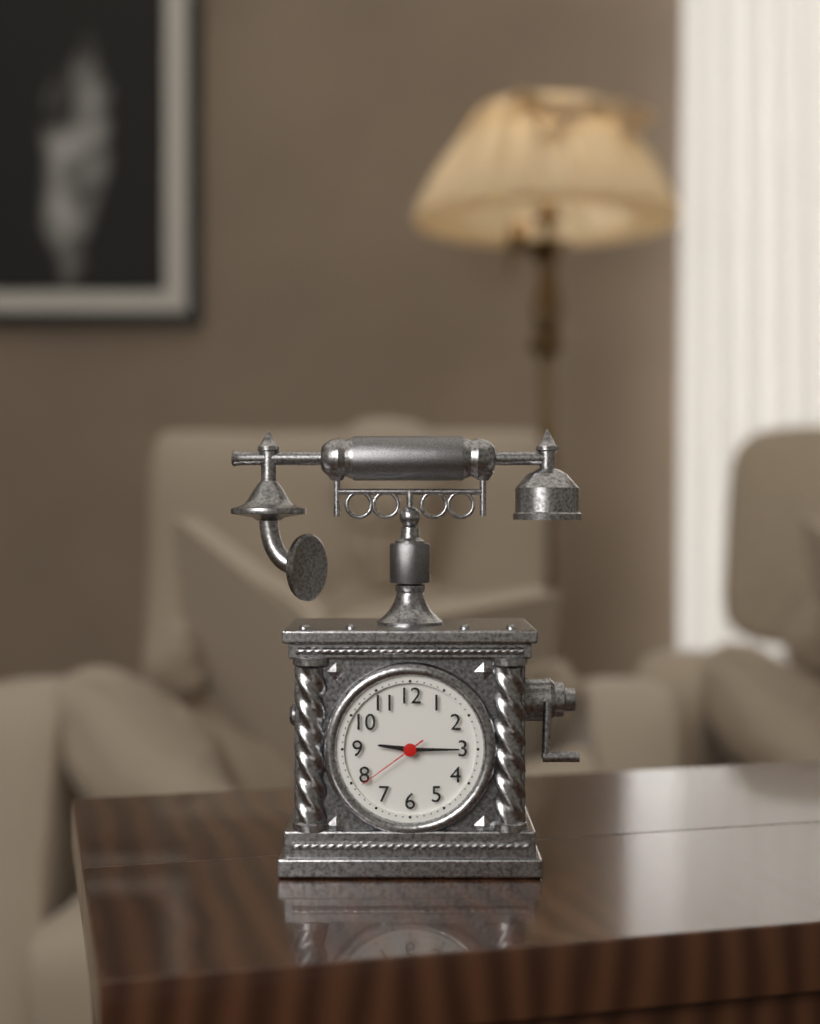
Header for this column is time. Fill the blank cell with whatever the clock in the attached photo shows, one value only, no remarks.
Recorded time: 9:15:39
